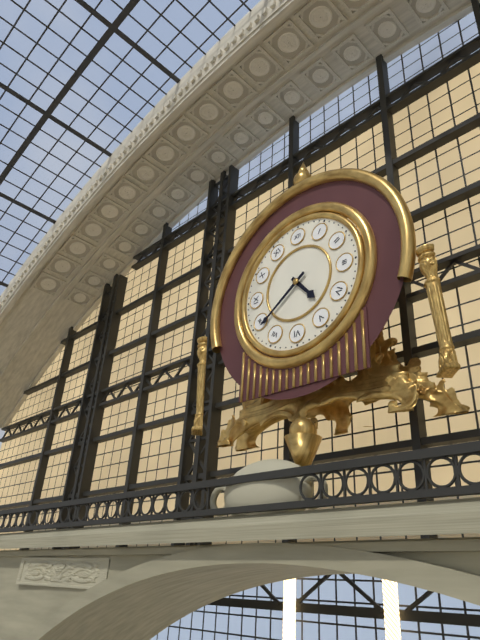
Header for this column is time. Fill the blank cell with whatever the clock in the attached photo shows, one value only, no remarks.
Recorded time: 4:39
